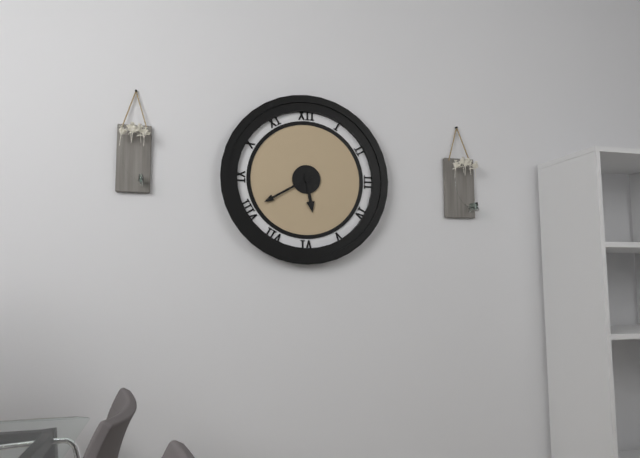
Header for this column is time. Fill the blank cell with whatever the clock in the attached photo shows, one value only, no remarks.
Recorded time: 5:40
